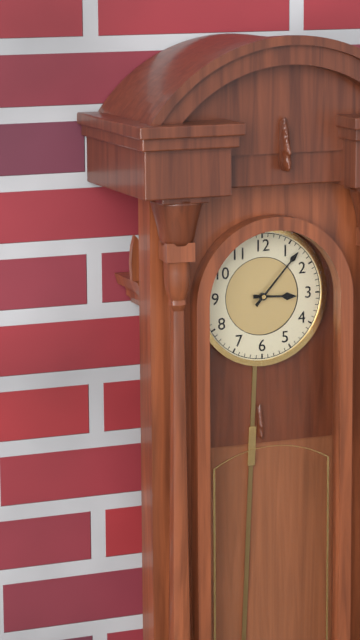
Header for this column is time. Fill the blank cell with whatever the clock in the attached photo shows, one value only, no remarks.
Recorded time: 3:07
